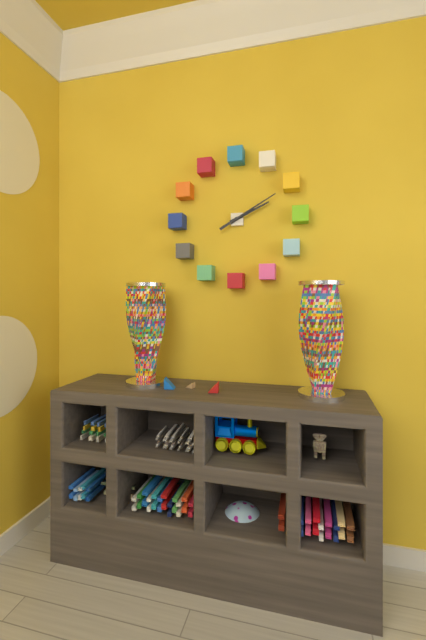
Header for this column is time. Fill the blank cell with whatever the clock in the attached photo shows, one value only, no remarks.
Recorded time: 2:10
